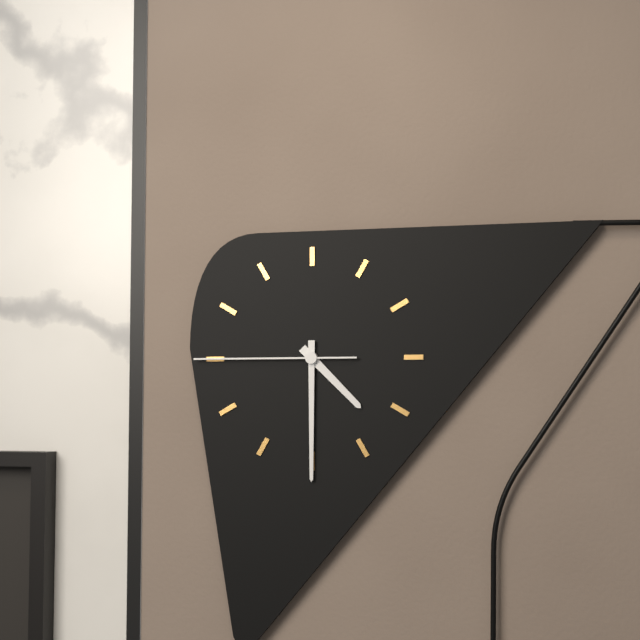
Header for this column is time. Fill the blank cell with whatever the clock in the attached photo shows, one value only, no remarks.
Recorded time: 4:30:45
